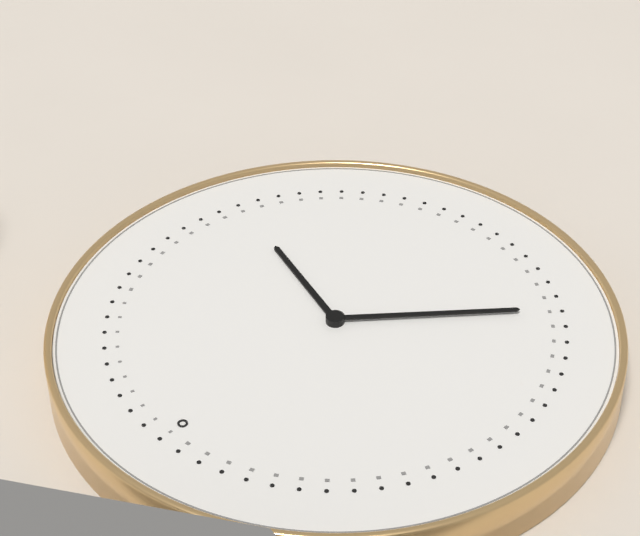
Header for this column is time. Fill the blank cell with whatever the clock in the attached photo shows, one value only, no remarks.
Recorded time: 3:37
